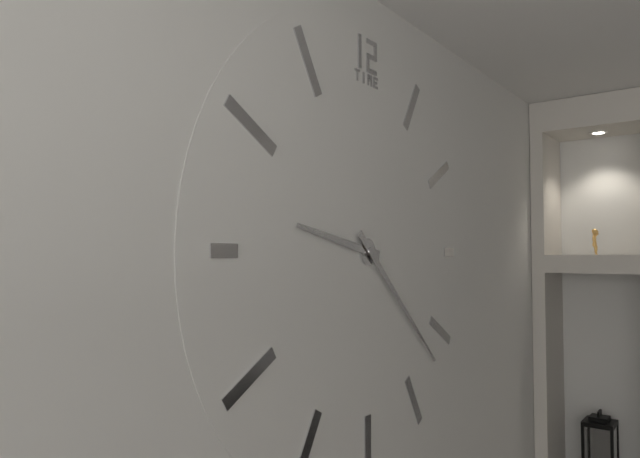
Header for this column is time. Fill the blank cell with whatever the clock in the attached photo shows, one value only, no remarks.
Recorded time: 9:22
